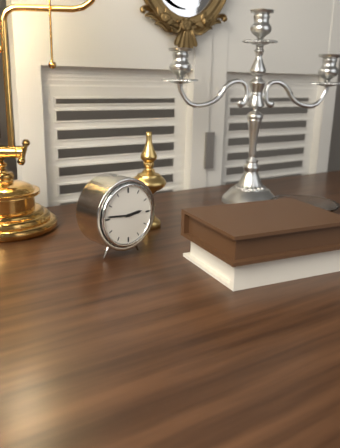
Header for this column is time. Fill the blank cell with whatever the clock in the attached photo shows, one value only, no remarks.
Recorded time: 2:46
